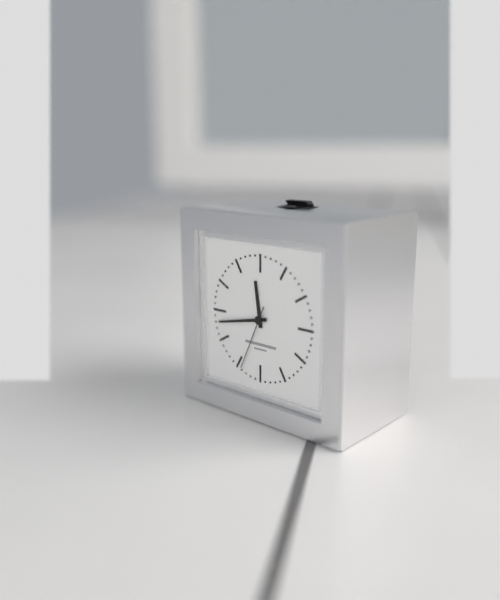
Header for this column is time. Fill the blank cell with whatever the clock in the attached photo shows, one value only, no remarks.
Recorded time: 11:43:34
